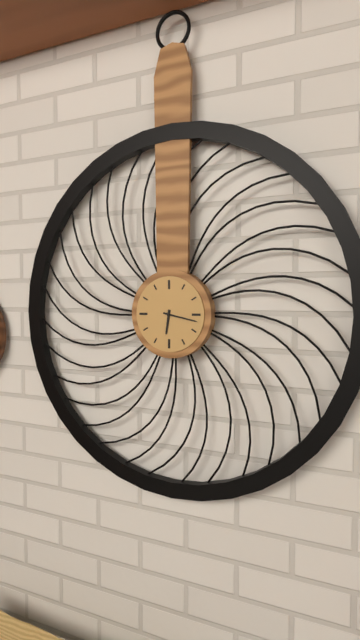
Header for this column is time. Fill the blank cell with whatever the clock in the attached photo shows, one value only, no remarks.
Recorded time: 6:17
